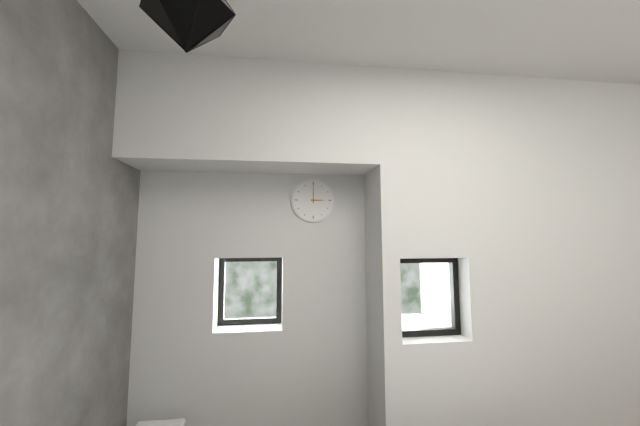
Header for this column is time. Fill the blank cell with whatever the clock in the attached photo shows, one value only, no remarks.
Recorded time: 3:00
